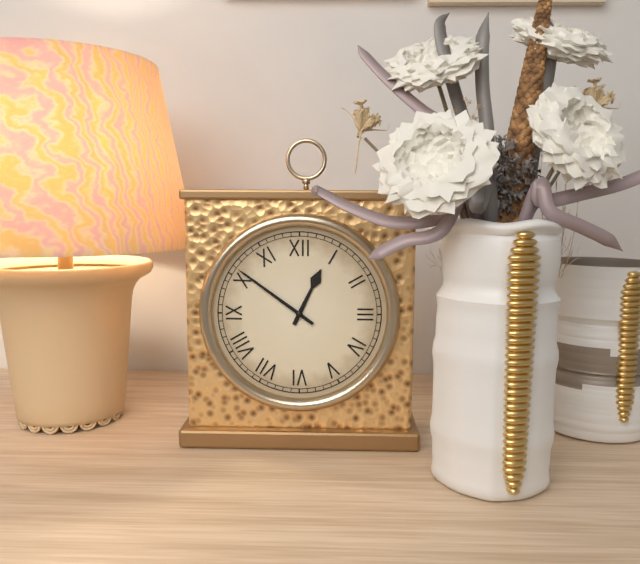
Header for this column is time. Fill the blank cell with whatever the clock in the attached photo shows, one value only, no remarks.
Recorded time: 12:51
